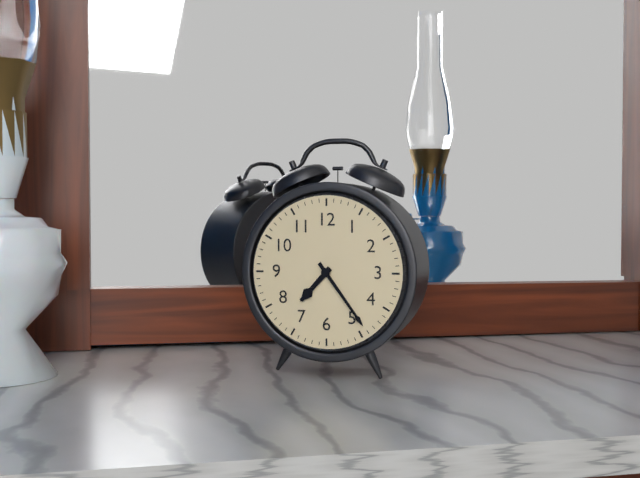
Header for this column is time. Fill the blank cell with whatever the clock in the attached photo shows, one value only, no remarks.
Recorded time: 7:24
